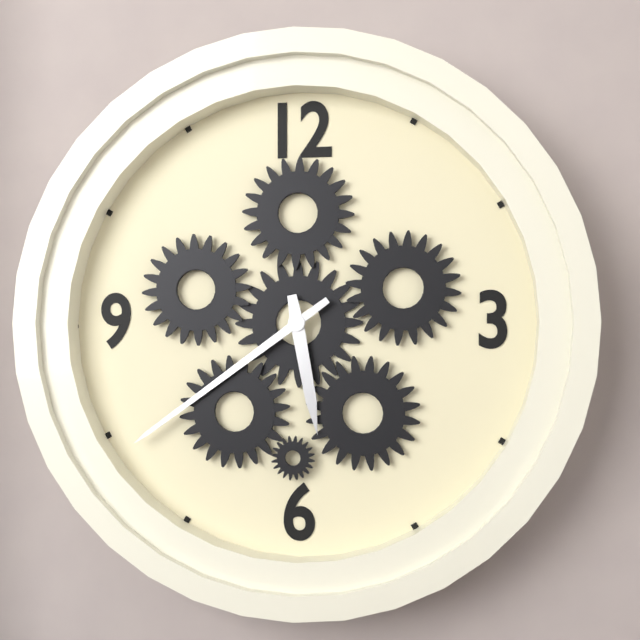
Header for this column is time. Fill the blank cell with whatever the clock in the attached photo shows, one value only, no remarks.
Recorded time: 5:39
